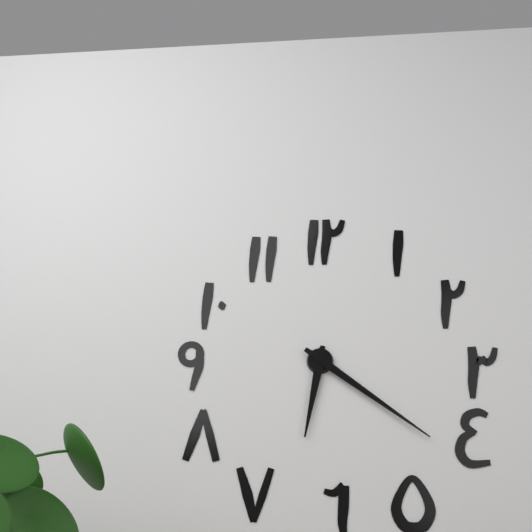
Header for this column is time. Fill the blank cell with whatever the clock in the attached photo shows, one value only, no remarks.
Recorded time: 6:21
